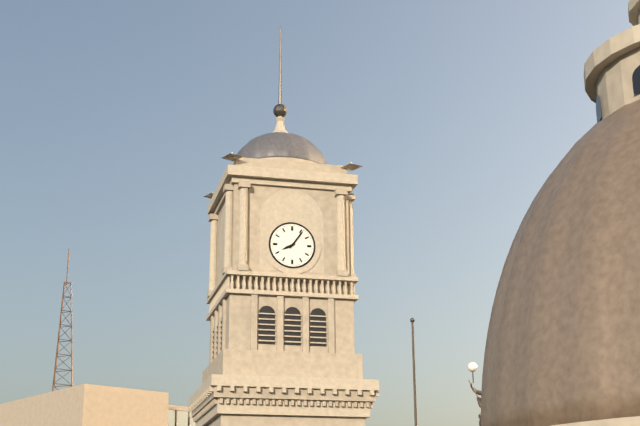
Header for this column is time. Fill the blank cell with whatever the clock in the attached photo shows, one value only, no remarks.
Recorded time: 8:06
